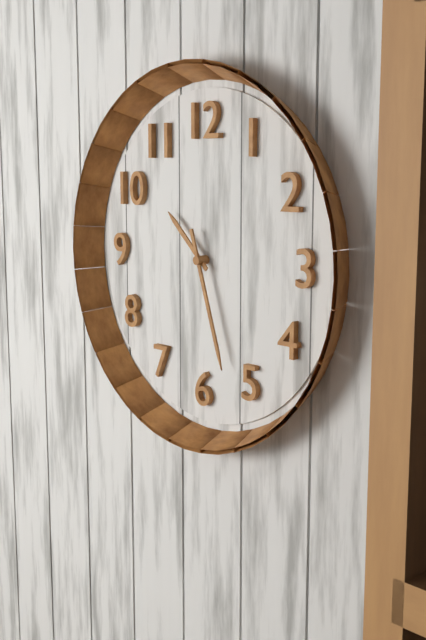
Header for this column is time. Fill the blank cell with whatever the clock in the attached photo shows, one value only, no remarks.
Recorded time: 10:27
